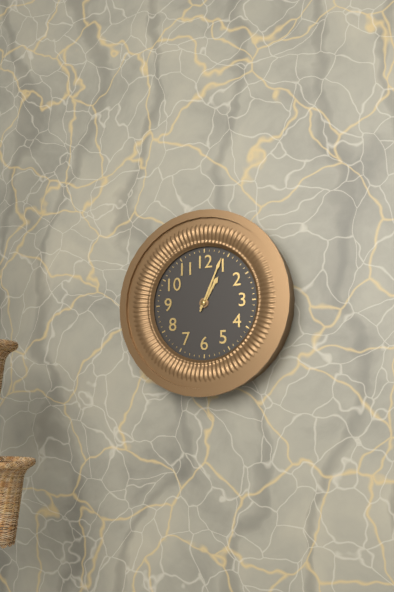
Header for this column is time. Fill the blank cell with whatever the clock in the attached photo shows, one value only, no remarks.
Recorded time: 1:04
